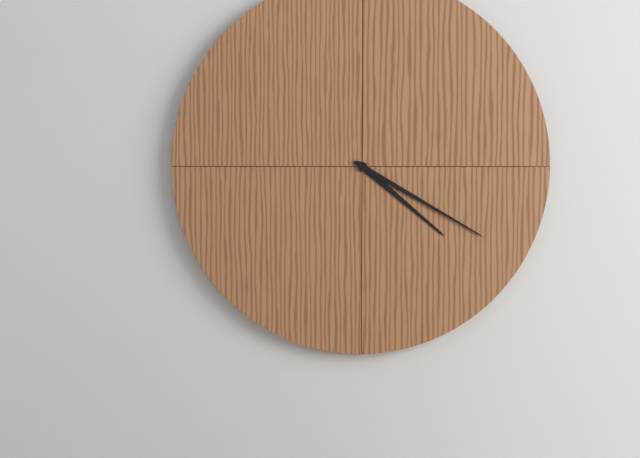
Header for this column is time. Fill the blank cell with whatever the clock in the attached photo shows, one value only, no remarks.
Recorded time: 4:20
